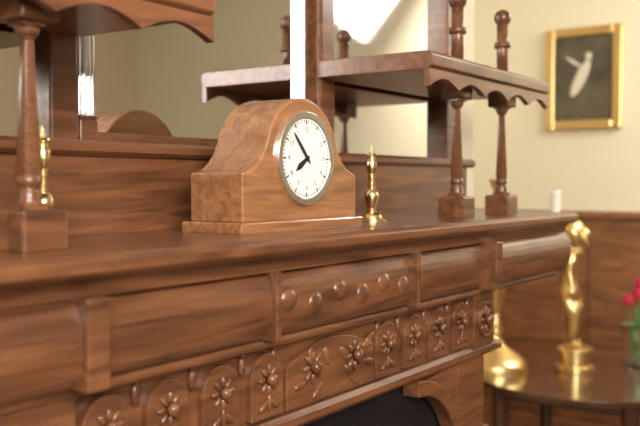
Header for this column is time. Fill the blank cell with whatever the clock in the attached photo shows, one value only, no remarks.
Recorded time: 7:53
